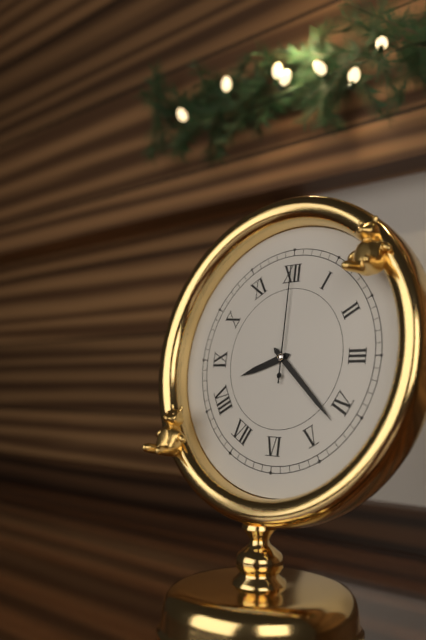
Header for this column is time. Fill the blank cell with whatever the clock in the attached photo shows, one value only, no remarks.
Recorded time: 8:22:00
